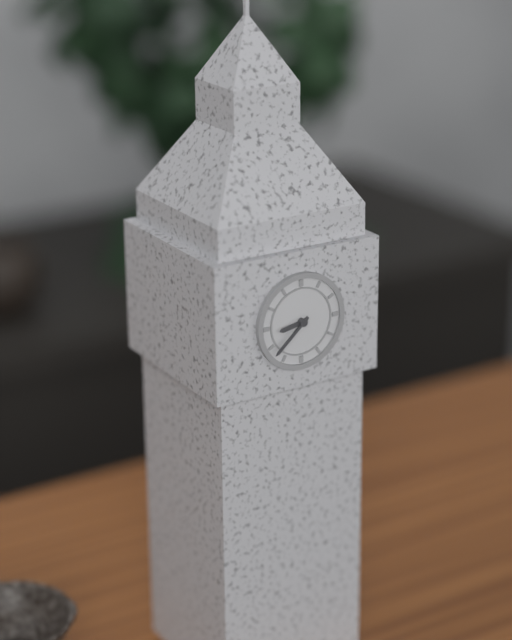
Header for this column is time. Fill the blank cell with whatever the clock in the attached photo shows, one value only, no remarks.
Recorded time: 8:38
